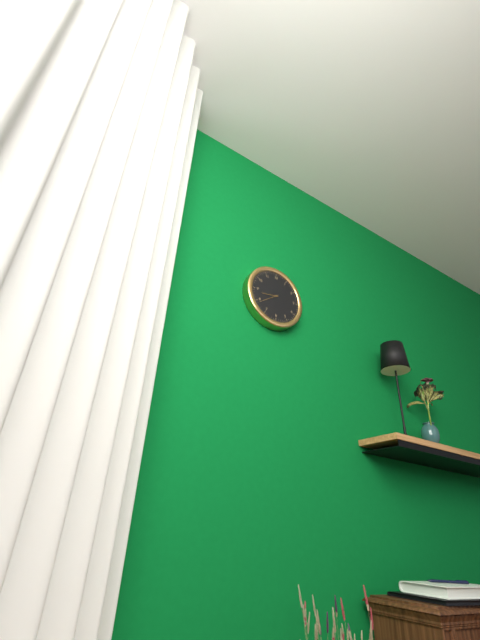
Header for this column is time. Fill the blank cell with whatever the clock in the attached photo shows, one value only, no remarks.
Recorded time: 8:39
